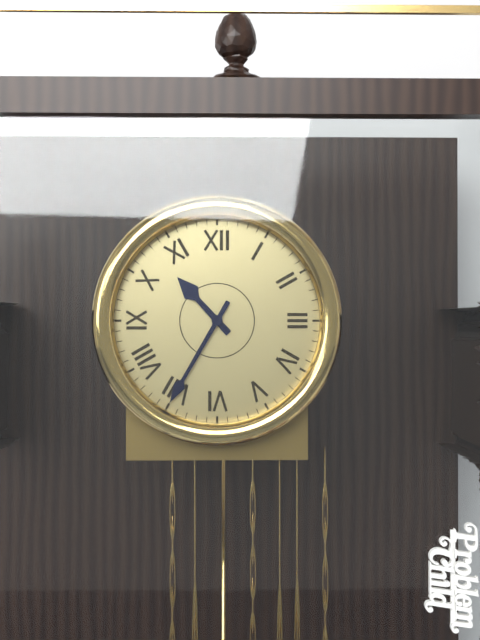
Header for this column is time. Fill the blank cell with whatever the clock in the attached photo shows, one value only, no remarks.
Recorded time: 10:35
